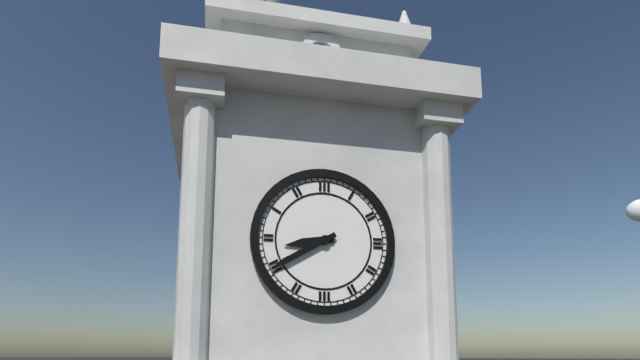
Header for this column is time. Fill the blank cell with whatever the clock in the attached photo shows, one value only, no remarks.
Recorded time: 8:40
